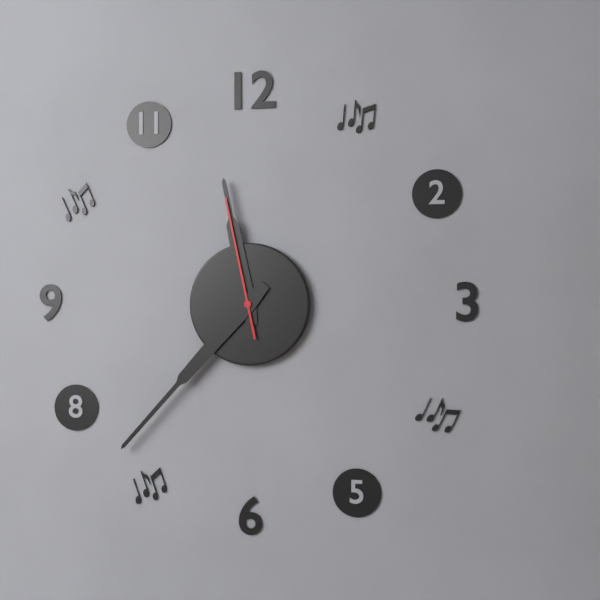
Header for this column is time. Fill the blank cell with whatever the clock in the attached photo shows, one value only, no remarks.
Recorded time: 11:37:58
